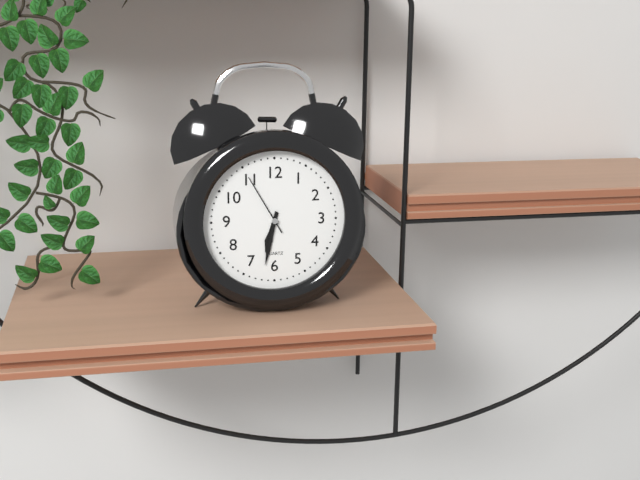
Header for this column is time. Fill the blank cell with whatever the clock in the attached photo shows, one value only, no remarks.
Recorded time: 6:32:55
